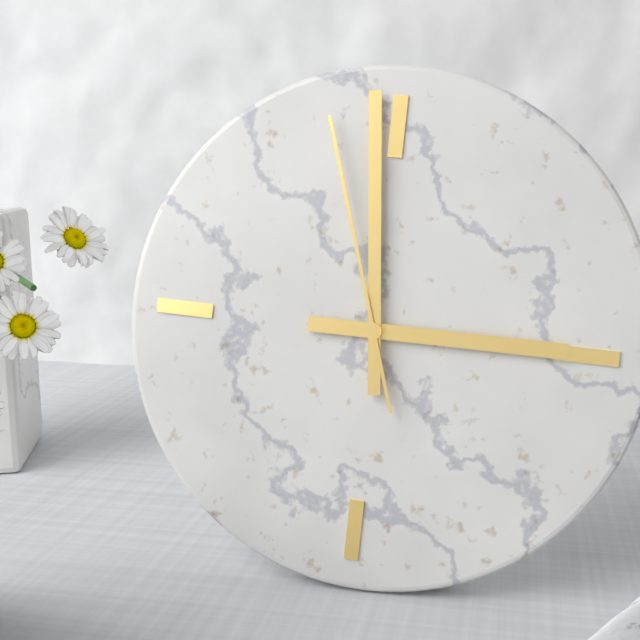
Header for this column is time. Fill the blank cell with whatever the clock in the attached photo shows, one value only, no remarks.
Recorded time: 2:59:57
